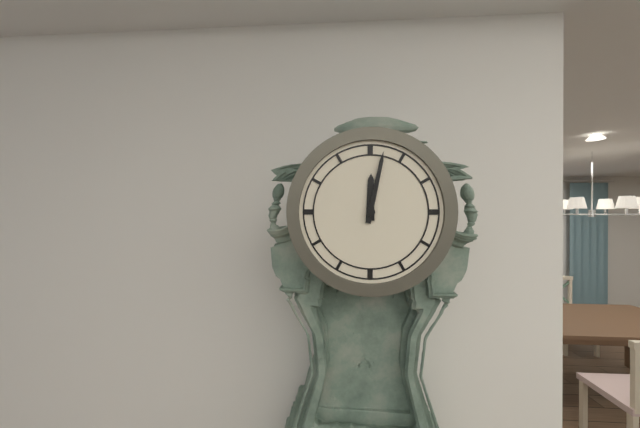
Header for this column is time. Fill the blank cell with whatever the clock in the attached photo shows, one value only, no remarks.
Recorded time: 12:02
